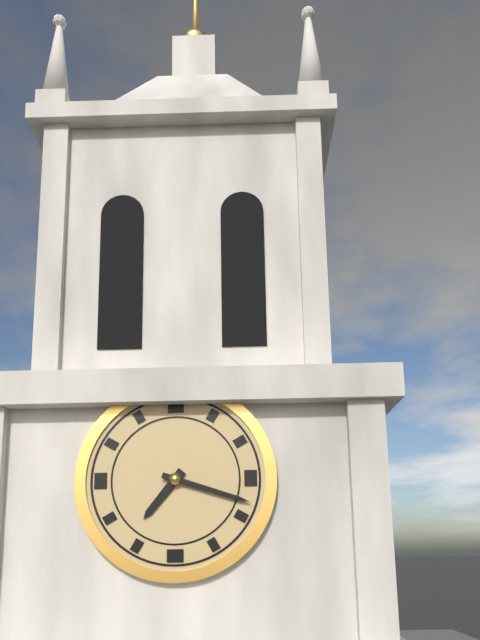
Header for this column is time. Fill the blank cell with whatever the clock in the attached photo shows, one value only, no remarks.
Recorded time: 7:18
